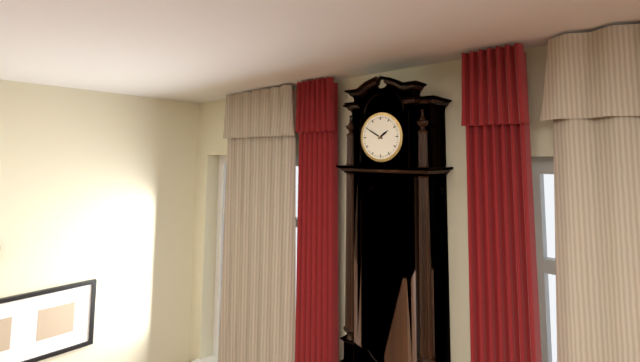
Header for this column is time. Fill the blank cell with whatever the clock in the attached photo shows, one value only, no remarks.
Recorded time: 1:50
